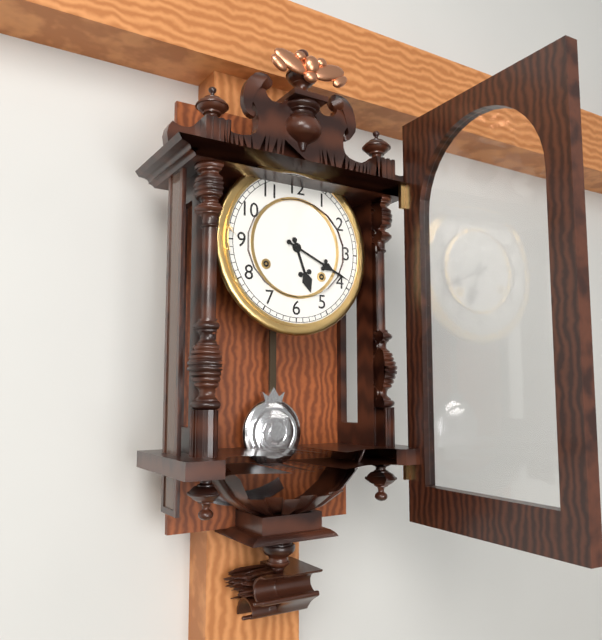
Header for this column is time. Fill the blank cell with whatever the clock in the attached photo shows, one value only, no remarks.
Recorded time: 5:19
